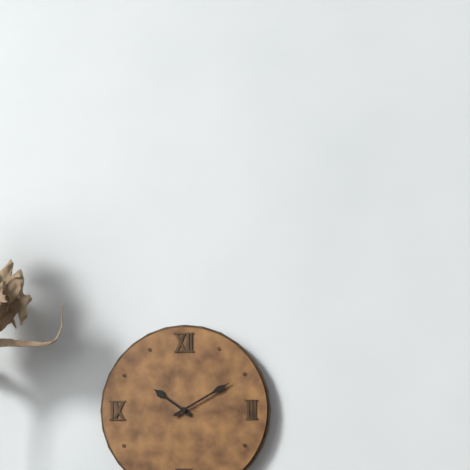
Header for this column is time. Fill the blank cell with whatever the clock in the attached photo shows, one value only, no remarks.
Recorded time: 10:10
